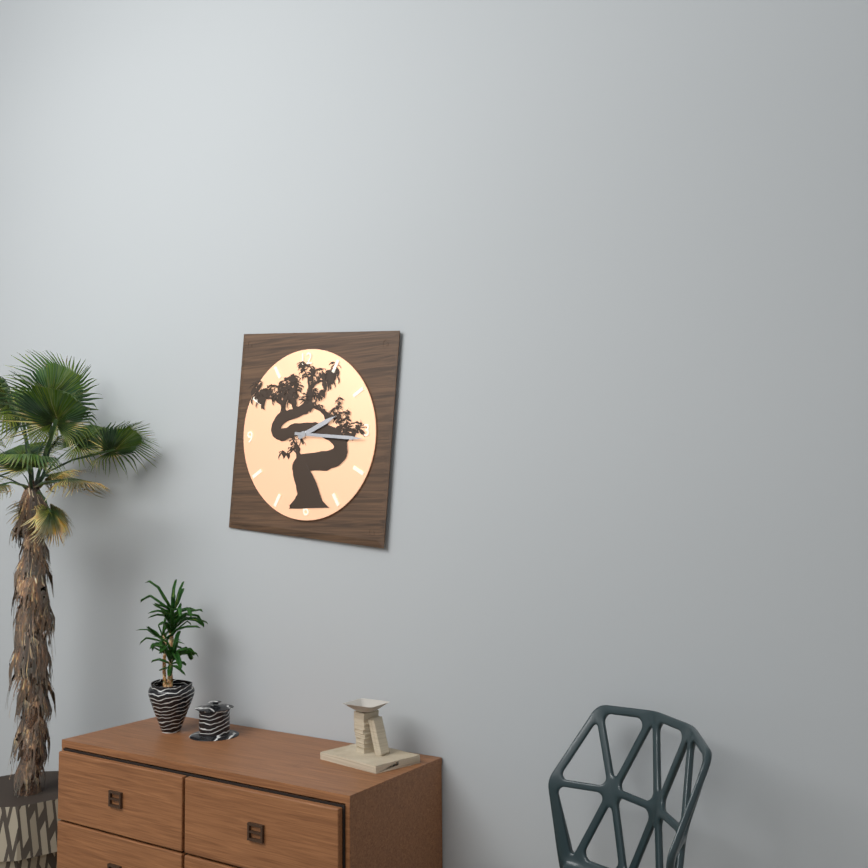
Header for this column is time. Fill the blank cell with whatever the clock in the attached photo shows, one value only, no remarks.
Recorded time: 2:16
